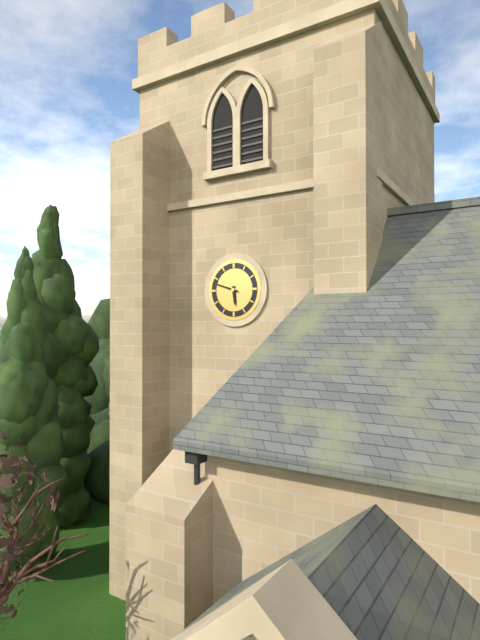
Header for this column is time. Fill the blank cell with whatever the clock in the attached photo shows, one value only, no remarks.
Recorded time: 5:48
